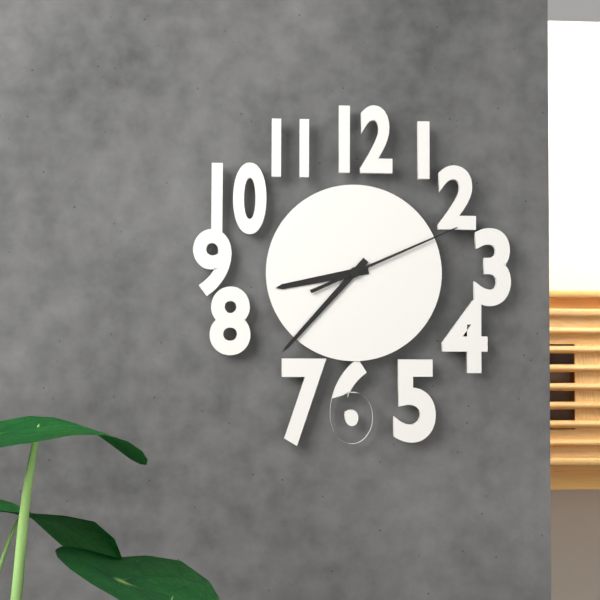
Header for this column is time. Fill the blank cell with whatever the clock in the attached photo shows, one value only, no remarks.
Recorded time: 8:37:11
